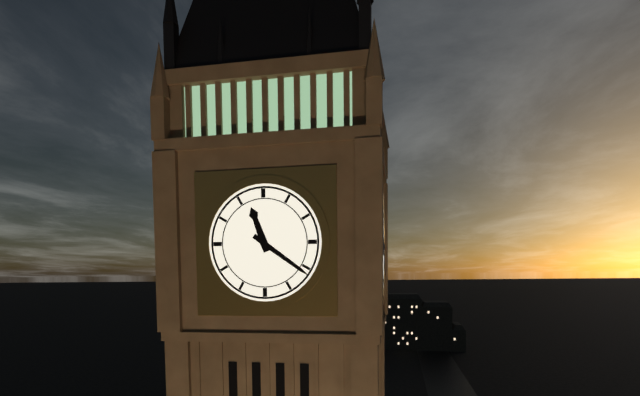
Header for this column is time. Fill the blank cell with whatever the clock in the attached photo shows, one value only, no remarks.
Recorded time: 11:21
